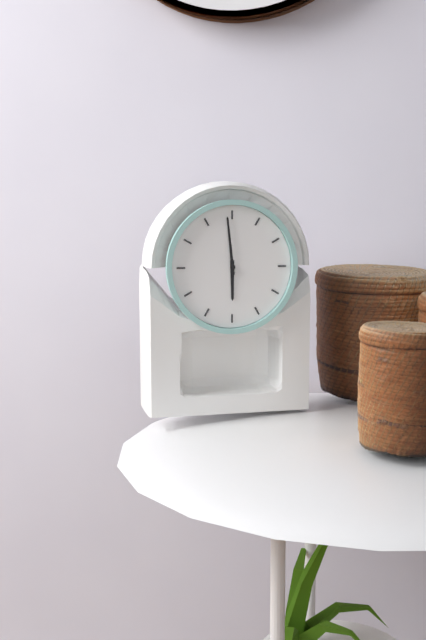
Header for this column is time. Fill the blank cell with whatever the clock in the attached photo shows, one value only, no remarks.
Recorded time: 5:59
